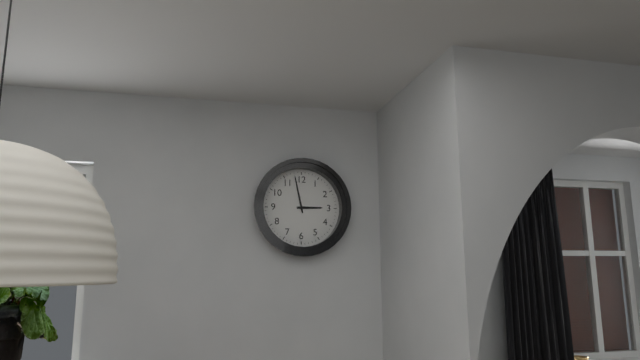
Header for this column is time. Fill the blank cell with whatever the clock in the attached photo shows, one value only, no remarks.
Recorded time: 2:58
